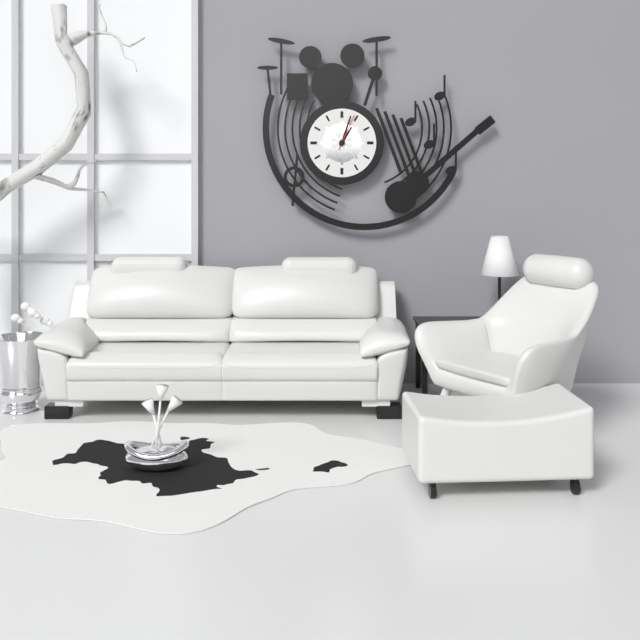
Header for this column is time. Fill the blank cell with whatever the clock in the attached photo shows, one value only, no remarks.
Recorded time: 1:03
